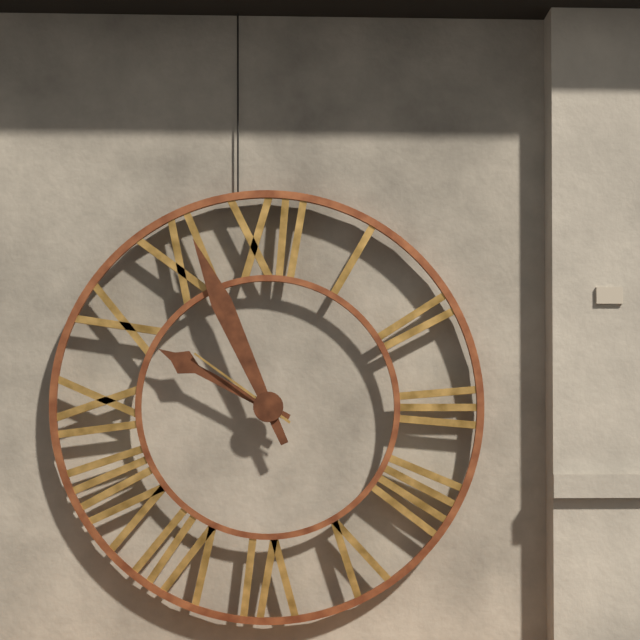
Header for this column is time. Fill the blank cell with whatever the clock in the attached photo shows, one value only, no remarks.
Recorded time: 9:56:51
